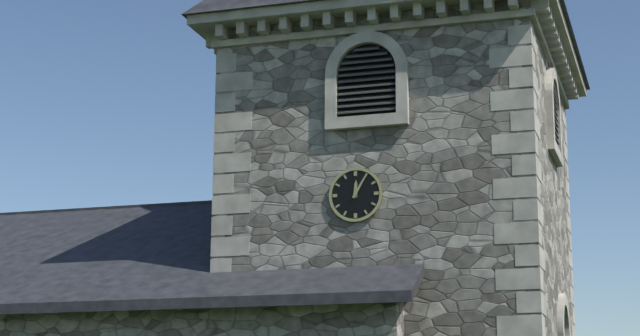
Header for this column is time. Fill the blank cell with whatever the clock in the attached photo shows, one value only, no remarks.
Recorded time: 12:05
